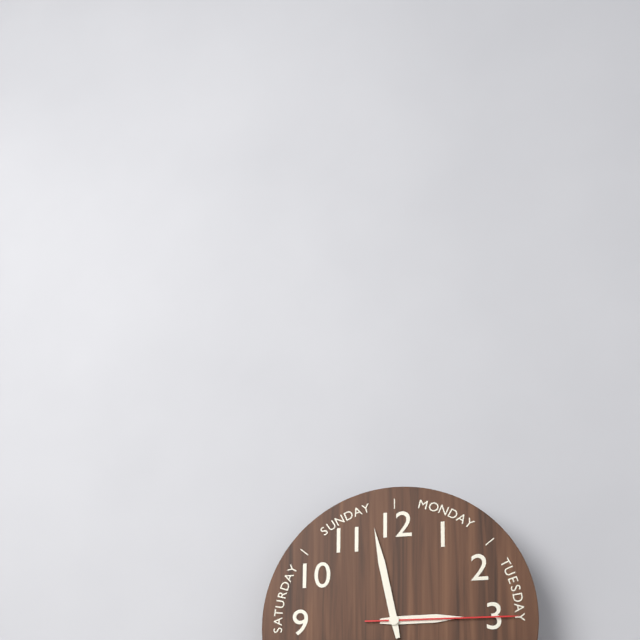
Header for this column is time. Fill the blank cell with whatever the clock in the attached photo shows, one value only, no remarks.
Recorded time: 2:58:15
